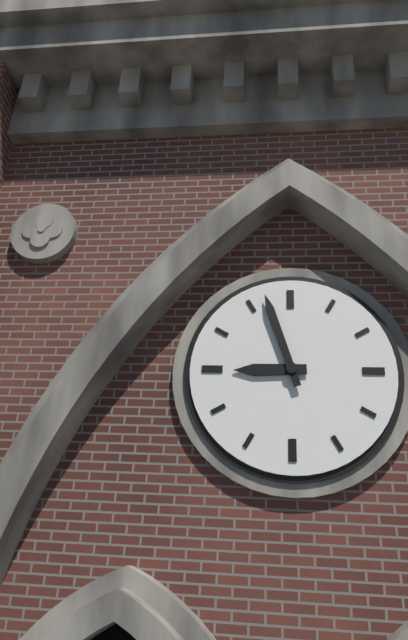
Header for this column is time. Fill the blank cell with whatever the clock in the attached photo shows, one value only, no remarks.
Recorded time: 8:57
